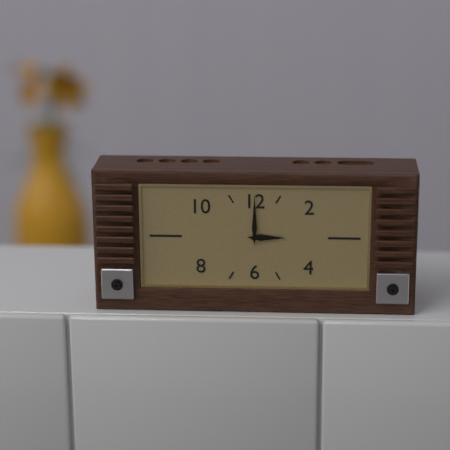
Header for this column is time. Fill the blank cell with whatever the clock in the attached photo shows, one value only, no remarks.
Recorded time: 3:00
